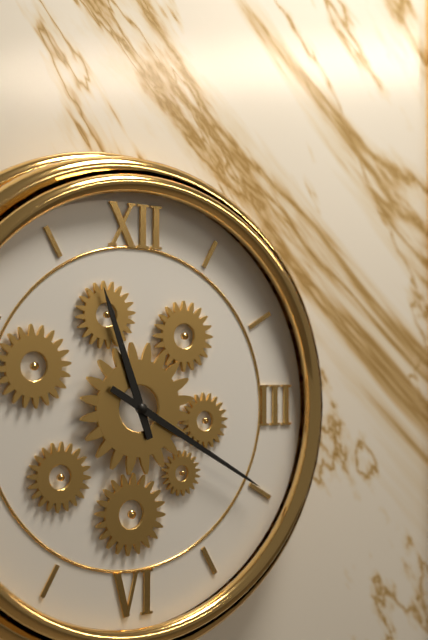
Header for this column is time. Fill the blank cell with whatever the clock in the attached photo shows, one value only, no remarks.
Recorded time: 11:20
